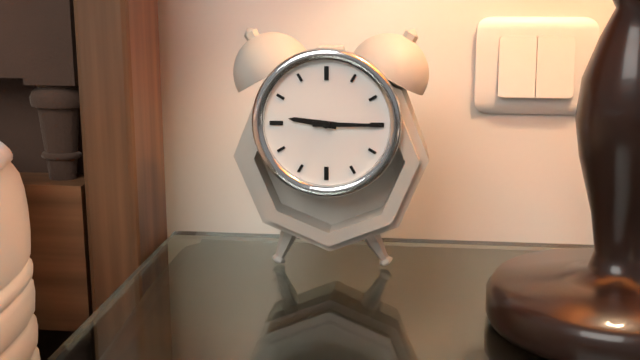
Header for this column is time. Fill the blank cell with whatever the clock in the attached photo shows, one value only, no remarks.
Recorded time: 9:15
